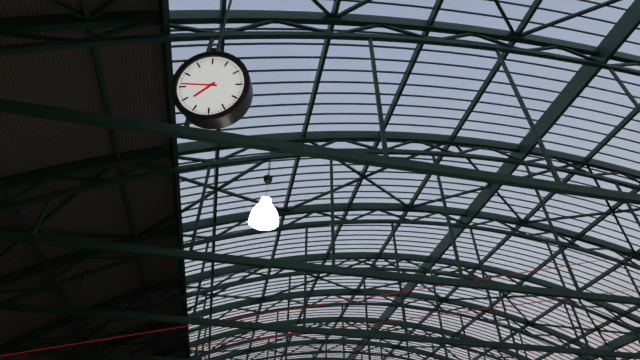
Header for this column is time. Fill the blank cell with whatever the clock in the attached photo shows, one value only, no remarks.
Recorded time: 7:46
